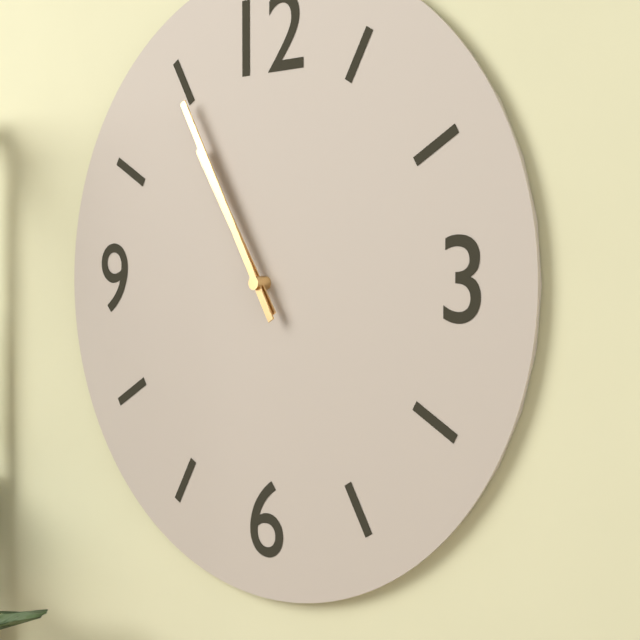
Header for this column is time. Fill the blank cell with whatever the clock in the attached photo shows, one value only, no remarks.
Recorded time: 10:55
